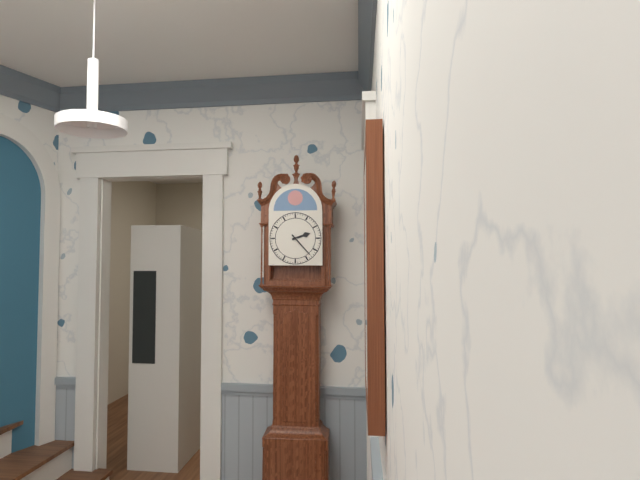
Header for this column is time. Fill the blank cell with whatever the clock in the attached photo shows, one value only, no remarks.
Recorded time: 2:23
